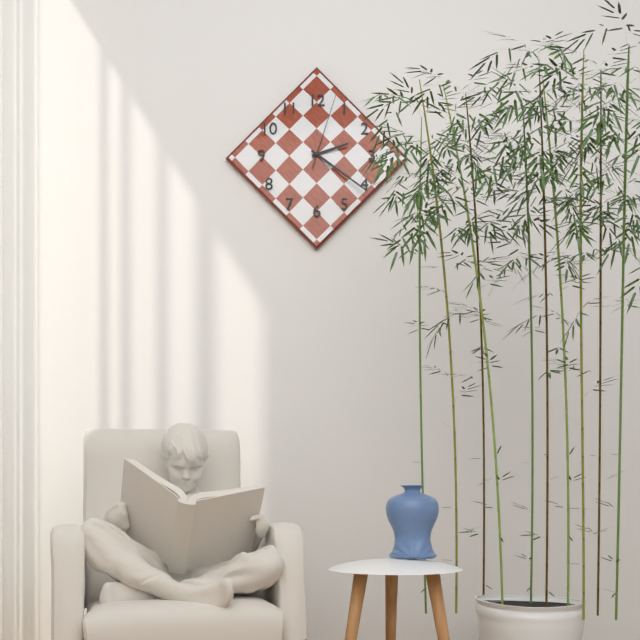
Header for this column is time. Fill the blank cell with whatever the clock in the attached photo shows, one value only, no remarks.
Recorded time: 2:21:03
